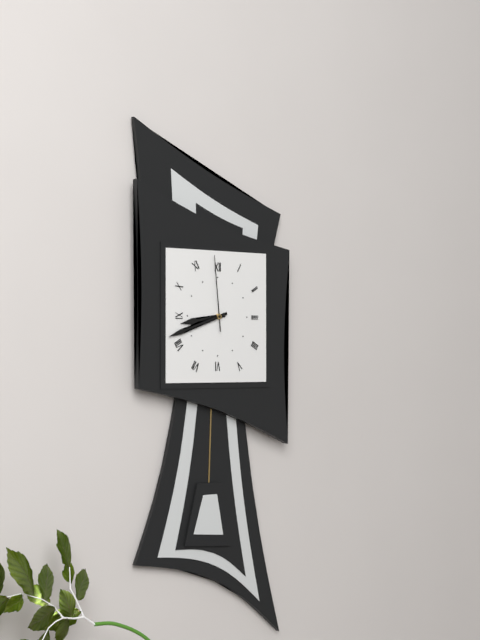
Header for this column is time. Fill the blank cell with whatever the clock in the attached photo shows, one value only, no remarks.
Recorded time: 8:42:59
